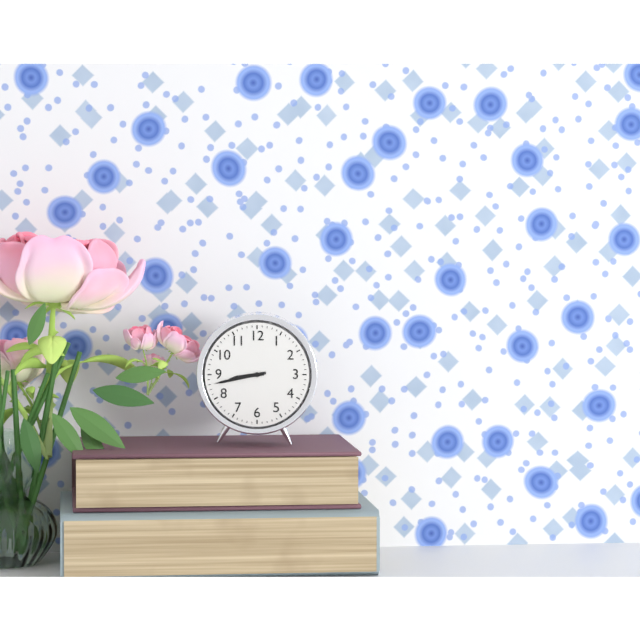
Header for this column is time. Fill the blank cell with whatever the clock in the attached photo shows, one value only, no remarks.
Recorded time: 8:43
